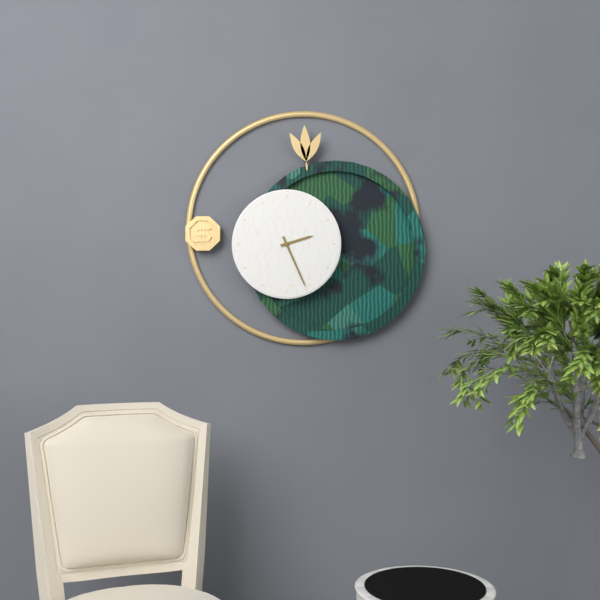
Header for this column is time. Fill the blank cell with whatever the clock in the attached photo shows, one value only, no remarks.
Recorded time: 2:26
